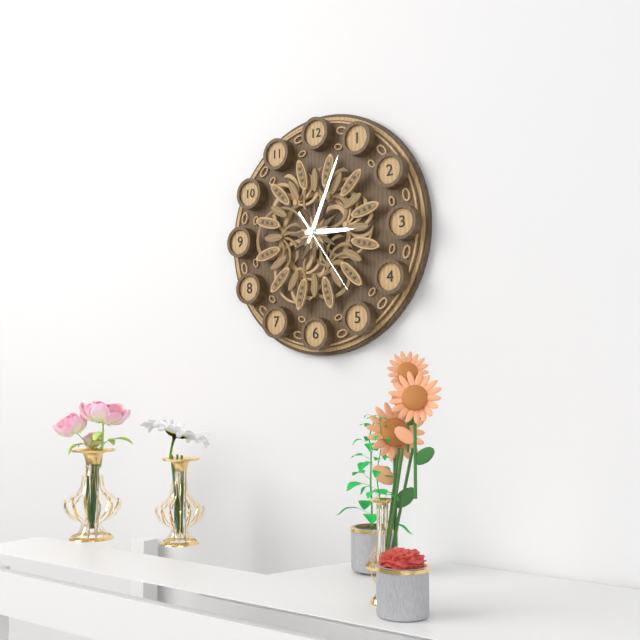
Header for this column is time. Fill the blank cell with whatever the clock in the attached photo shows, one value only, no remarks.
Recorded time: 3:04:24
